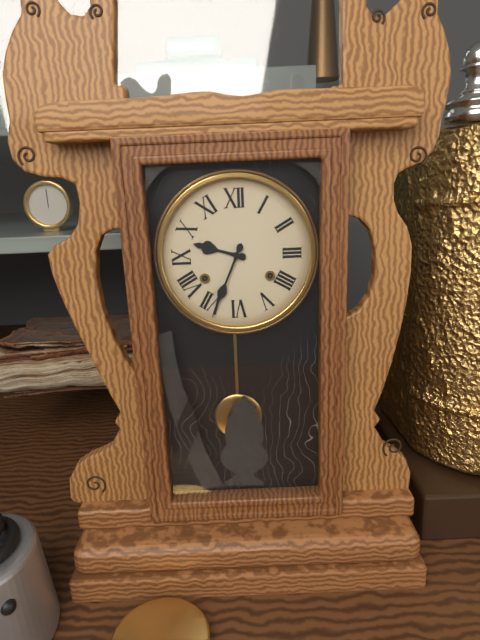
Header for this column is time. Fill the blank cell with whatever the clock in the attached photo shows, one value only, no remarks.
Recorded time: 9:34
